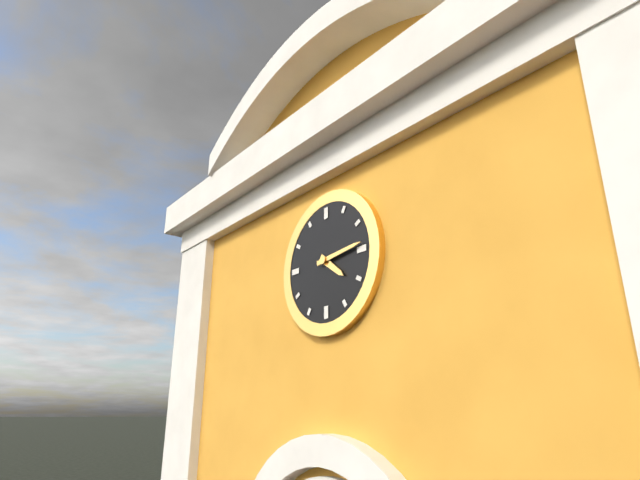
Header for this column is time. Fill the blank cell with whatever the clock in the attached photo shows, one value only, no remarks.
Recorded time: 4:14
